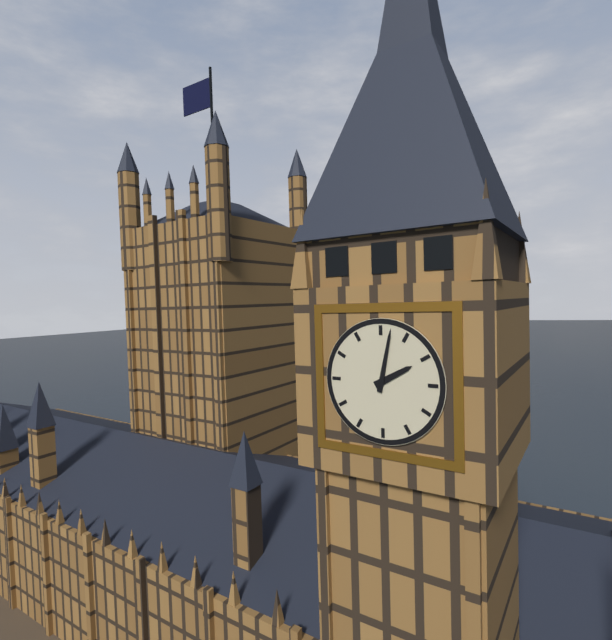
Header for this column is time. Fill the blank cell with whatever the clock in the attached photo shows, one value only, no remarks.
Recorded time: 2:02
